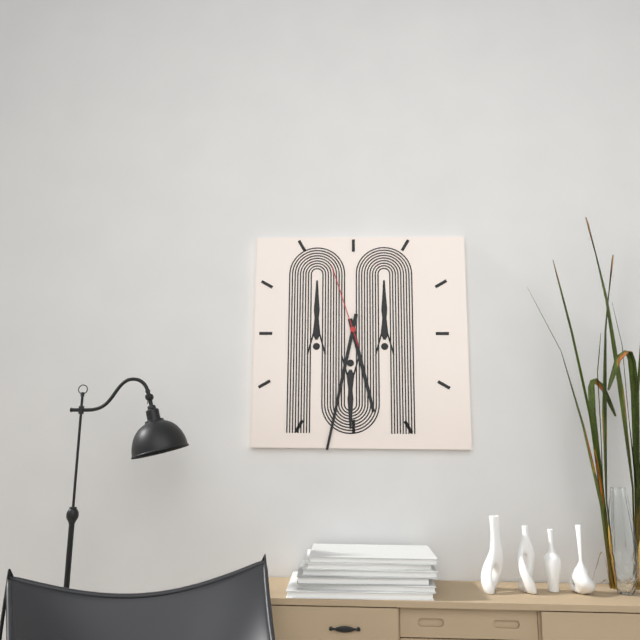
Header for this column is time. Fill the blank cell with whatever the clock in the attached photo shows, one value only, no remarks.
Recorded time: 5:32:57
